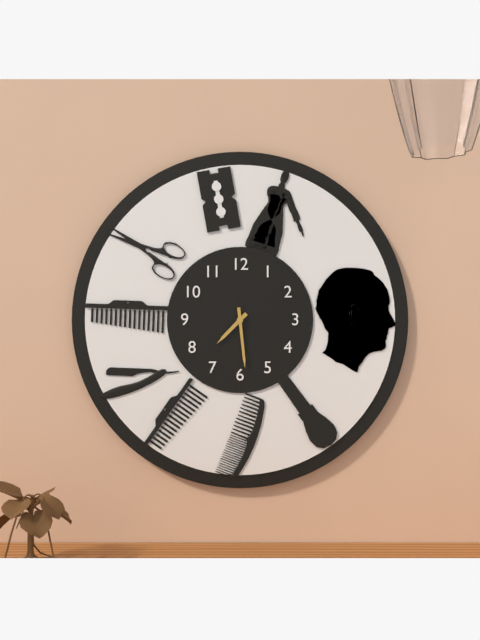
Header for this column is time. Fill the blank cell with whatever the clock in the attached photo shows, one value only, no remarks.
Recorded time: 7:29
